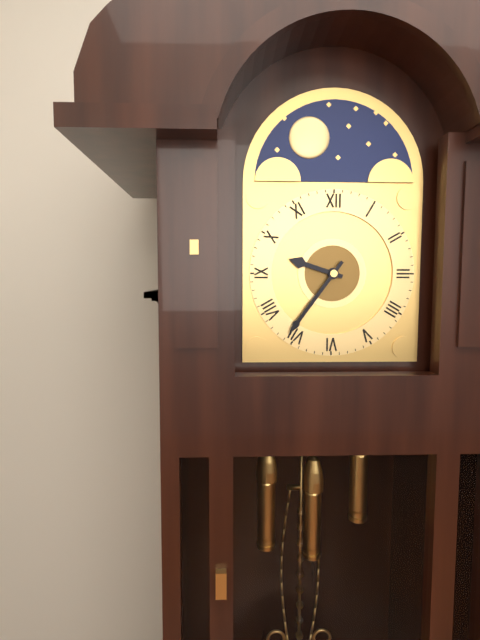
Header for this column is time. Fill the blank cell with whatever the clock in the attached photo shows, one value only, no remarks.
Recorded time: 9:36
